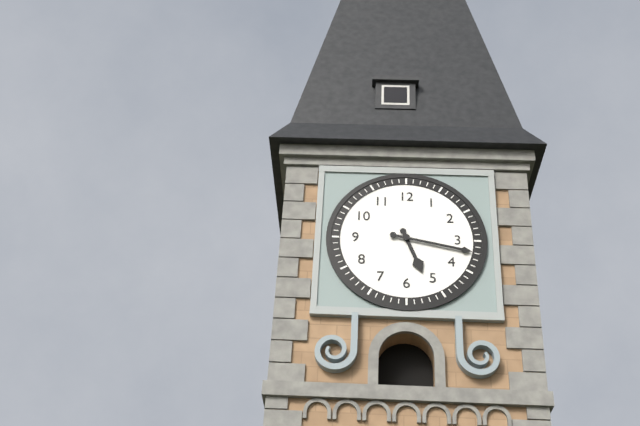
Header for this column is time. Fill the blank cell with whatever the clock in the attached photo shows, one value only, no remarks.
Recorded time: 5:17
